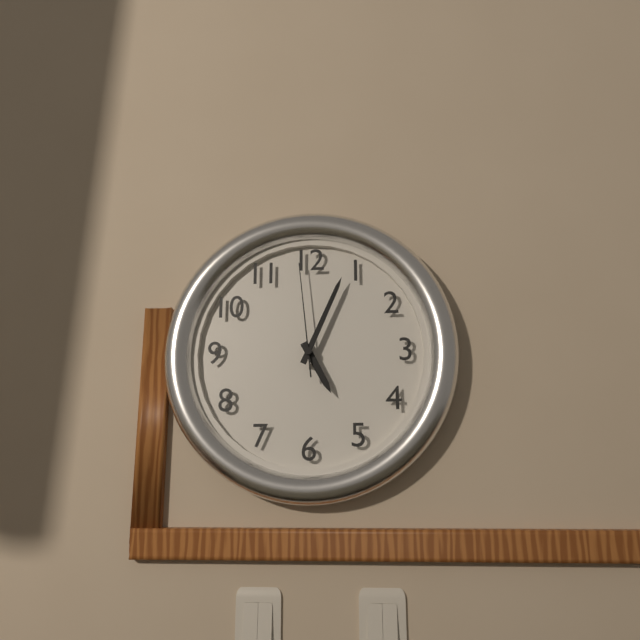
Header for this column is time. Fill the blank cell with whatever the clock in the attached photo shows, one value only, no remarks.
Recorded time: 5:04:59
